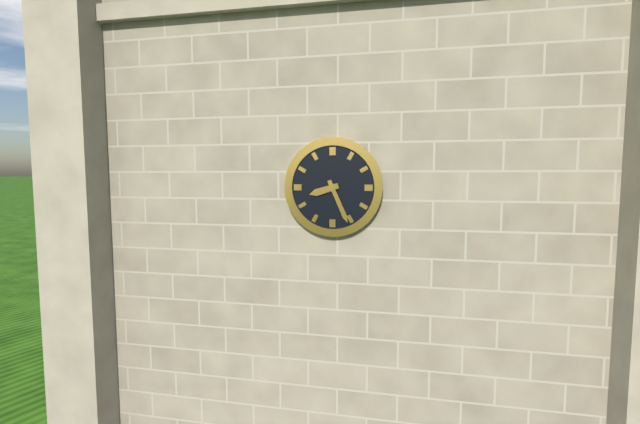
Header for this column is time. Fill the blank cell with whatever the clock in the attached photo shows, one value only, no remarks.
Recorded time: 8:26
